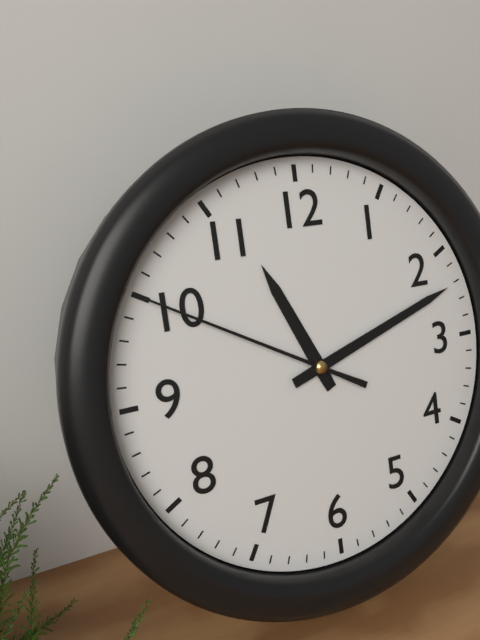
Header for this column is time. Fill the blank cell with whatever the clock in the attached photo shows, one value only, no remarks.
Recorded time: 11:12:50
